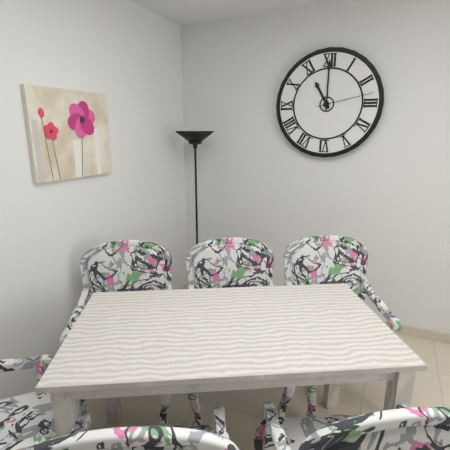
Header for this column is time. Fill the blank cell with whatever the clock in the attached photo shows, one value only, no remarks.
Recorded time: 11:00:13
